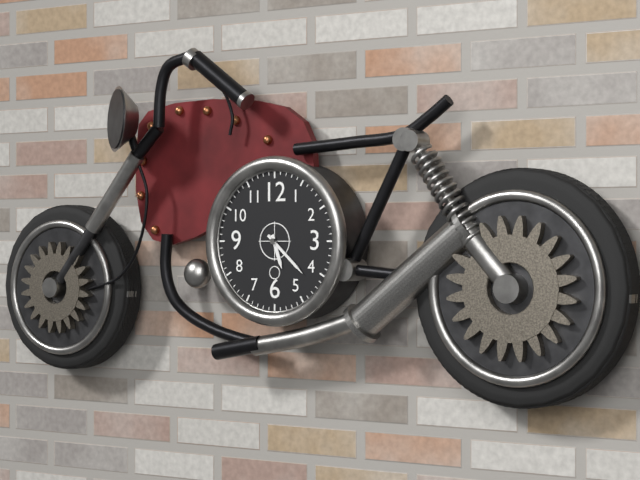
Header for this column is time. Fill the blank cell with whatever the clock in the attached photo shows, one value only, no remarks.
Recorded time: 5:22
